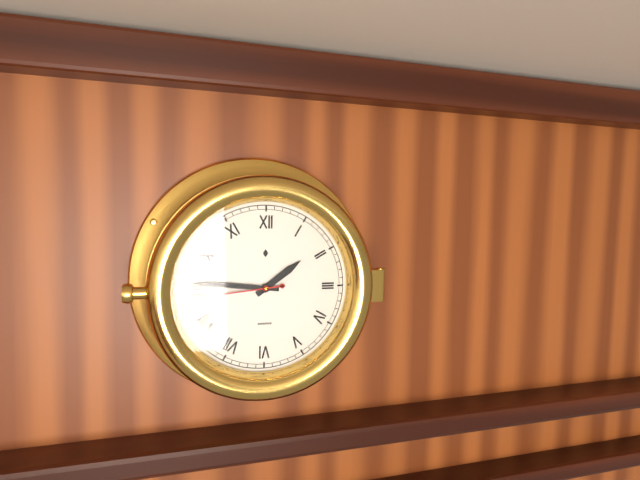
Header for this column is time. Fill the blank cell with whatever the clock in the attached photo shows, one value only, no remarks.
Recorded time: 1:46:44
